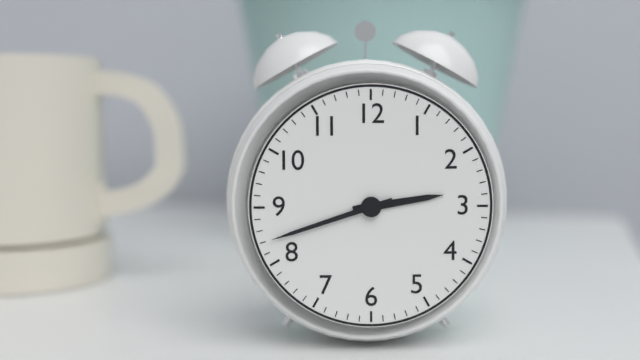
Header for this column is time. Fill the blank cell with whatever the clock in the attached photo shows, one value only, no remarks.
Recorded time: 2:42
